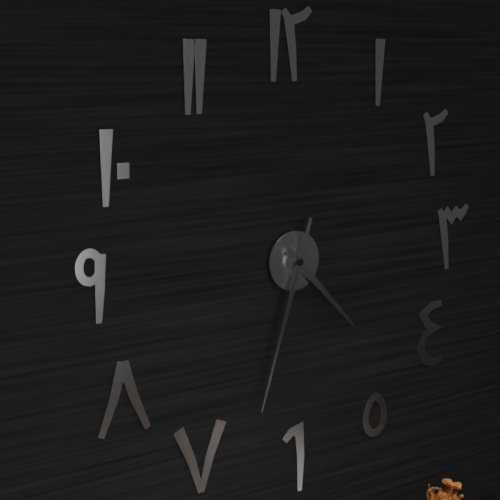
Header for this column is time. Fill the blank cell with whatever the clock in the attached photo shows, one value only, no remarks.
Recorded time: 4:33
